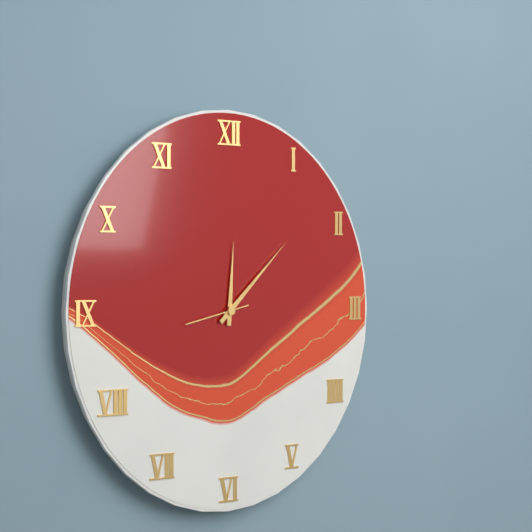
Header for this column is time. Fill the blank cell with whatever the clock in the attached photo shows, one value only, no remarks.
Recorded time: 12:08
